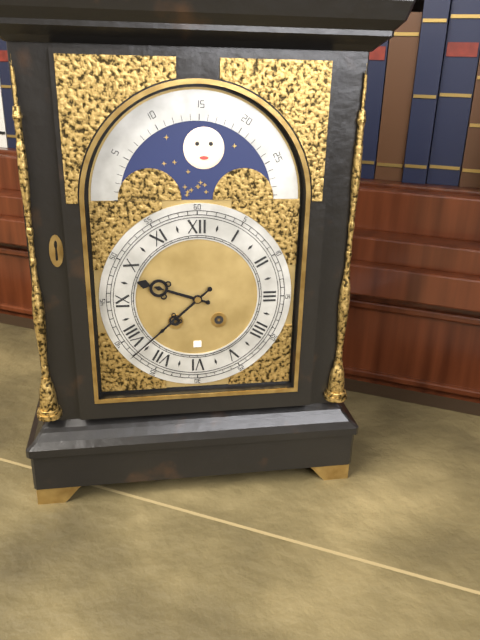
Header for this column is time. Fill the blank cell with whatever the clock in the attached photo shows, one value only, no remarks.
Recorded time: 9:38
